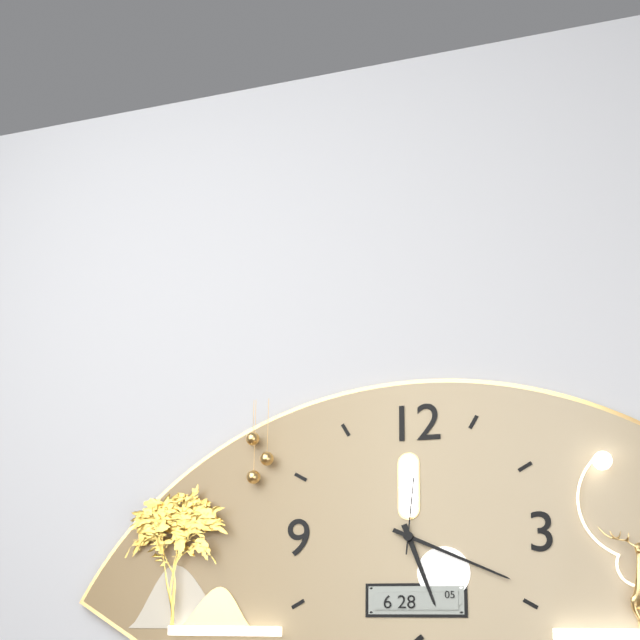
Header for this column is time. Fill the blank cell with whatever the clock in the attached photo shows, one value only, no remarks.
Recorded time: 5:19:01
